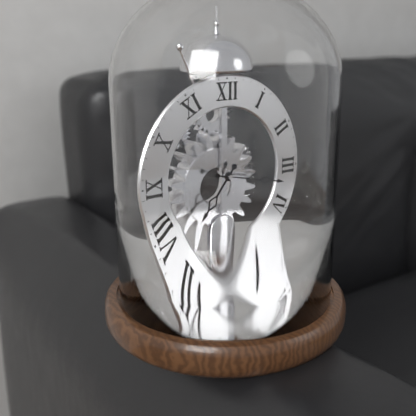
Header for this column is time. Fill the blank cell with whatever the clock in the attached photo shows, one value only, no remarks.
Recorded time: 7:17
